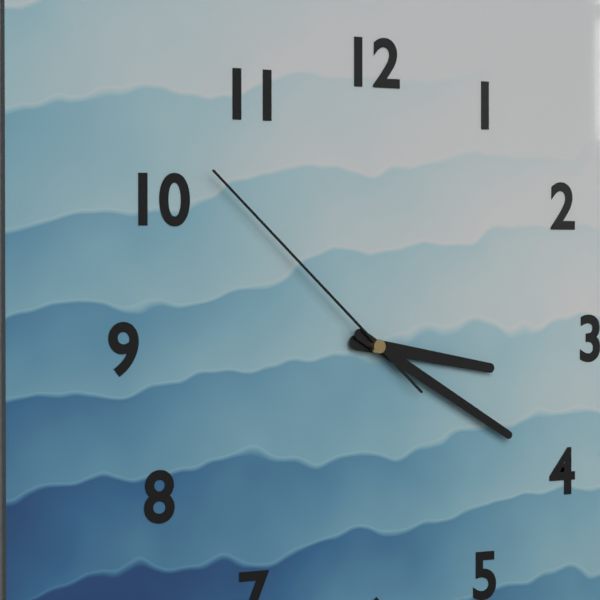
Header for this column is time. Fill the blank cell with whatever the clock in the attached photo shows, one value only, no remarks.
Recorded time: 3:20:52
